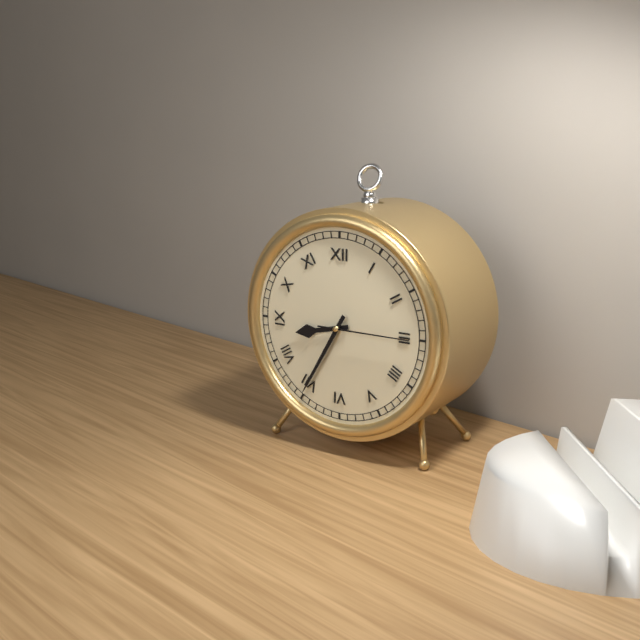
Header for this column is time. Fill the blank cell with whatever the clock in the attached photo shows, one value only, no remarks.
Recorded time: 8:35:15
